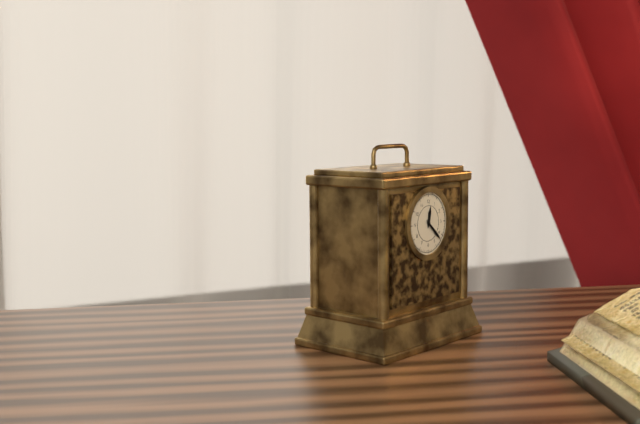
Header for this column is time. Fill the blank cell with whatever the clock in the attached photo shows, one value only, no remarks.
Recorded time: 12:22
